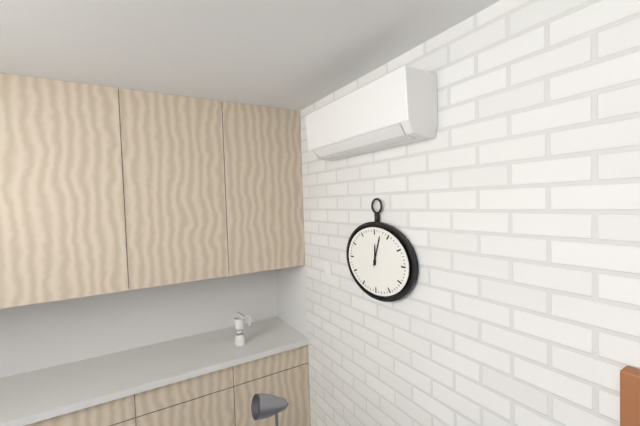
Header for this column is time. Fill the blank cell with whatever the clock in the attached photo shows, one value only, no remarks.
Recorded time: 12:03
